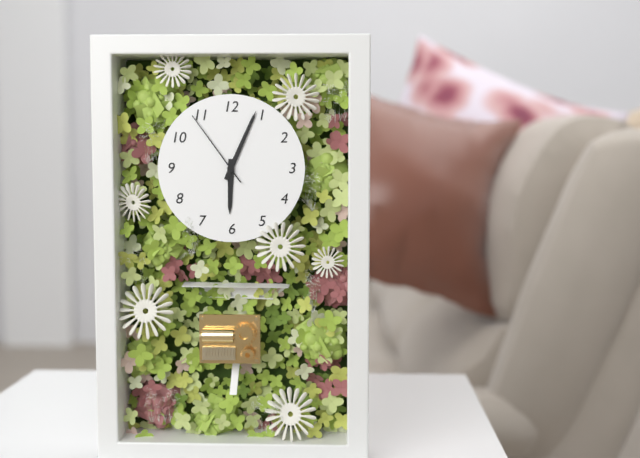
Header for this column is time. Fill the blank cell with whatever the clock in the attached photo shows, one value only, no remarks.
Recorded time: 6:04:54
